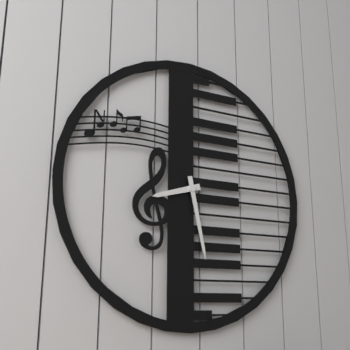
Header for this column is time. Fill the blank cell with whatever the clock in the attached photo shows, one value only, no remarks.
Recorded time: 8:28
